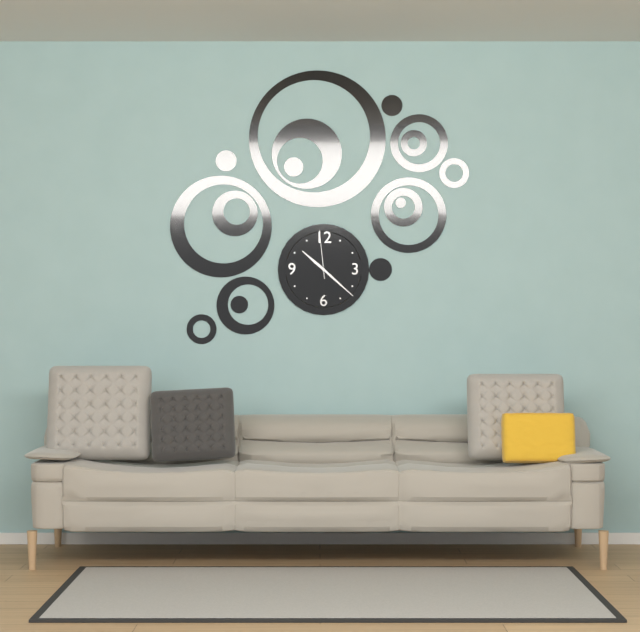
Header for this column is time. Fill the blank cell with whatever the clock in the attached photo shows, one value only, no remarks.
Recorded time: 10:22
